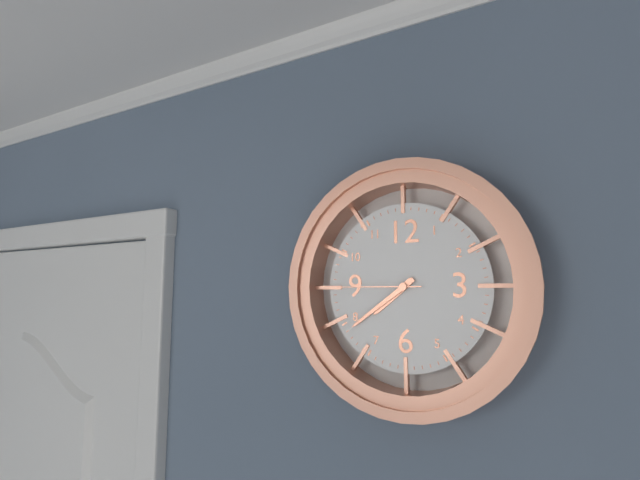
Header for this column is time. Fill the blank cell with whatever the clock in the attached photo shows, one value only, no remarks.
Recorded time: 7:39:45
